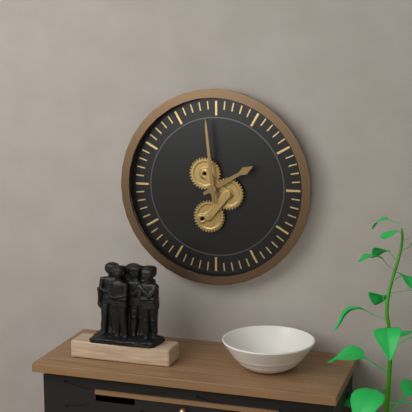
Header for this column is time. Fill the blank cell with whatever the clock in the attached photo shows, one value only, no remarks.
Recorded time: 1:59
